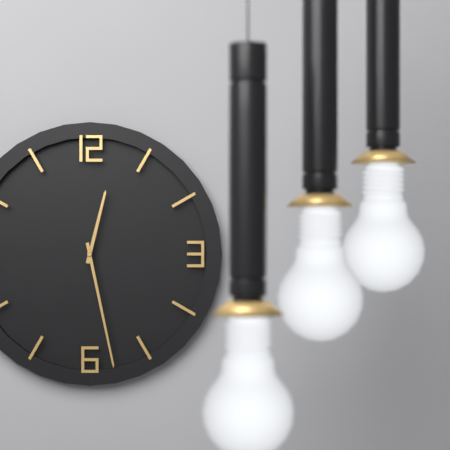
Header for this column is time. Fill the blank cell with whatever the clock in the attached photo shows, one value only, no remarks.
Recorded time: 12:28
